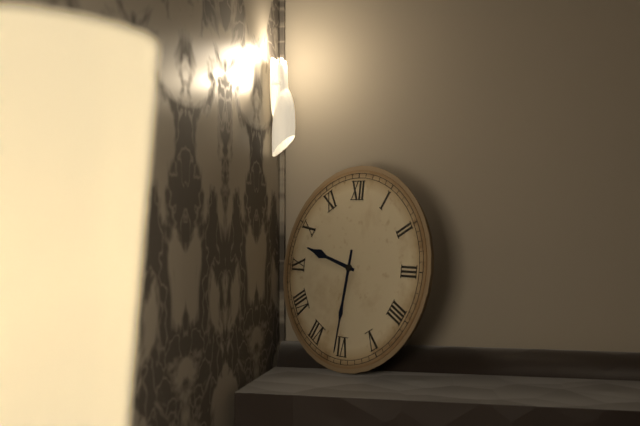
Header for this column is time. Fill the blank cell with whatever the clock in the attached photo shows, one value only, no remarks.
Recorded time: 9:31
